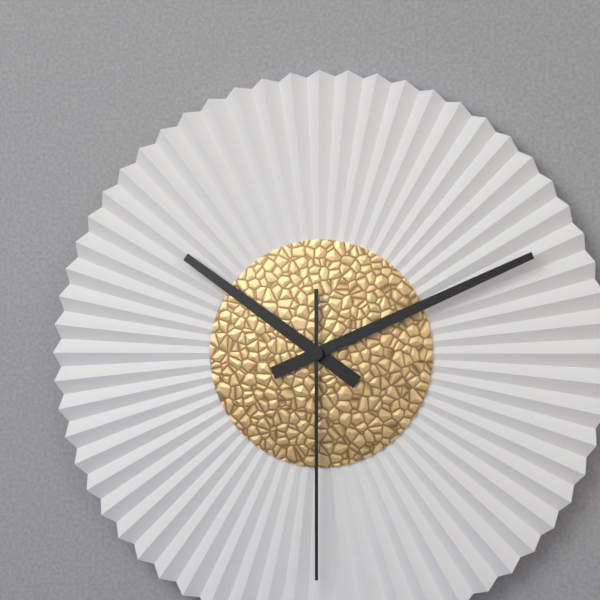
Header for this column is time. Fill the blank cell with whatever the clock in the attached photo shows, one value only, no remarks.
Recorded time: 10:11:30
